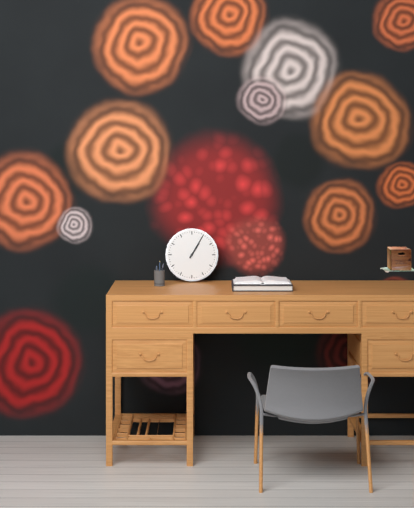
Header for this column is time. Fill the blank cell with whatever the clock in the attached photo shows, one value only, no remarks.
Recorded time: 1:05
